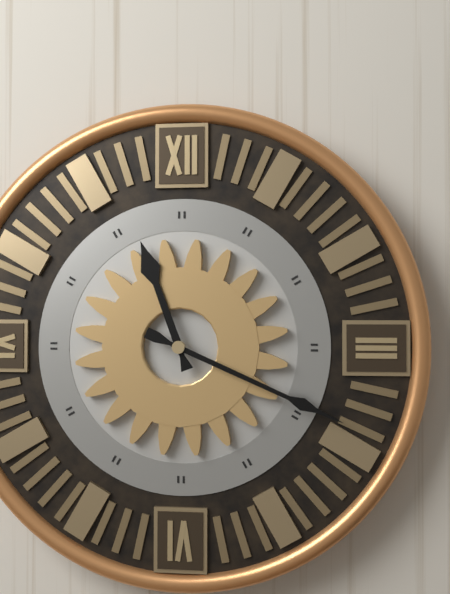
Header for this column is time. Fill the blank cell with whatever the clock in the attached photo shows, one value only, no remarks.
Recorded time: 11:19
